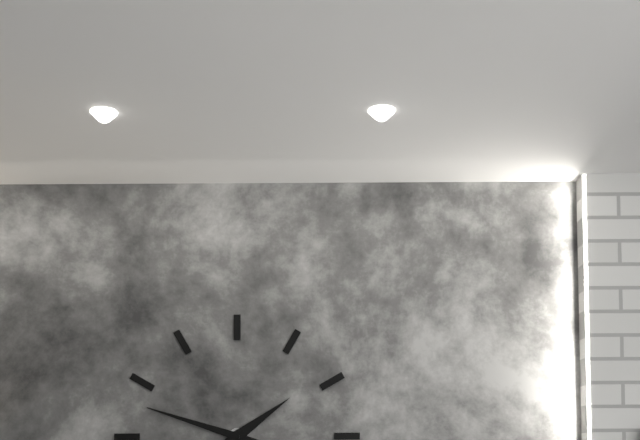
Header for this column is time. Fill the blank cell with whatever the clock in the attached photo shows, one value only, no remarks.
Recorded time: 1:48
